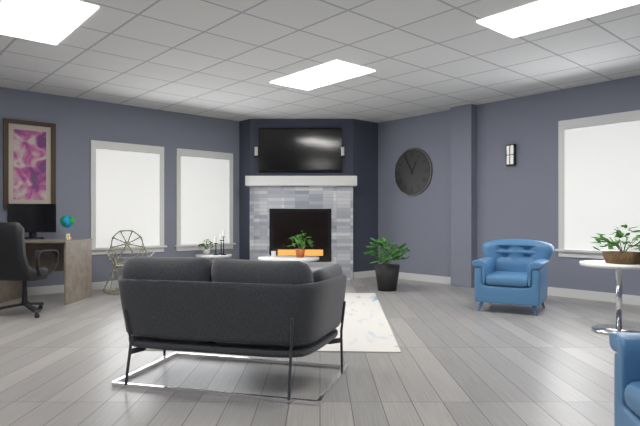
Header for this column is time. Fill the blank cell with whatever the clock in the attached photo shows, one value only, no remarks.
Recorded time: 12:55
